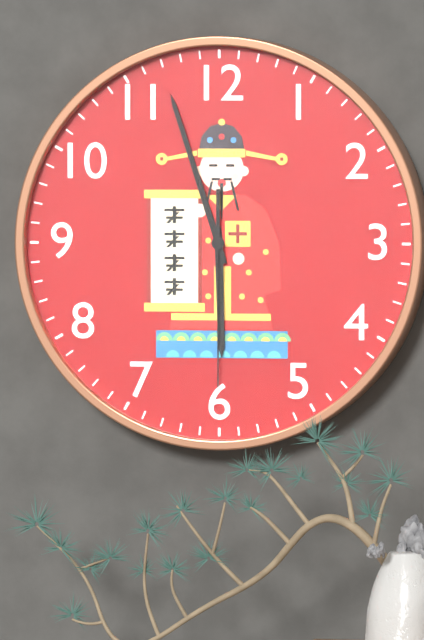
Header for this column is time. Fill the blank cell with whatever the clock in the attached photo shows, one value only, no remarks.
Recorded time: 5:57:30
